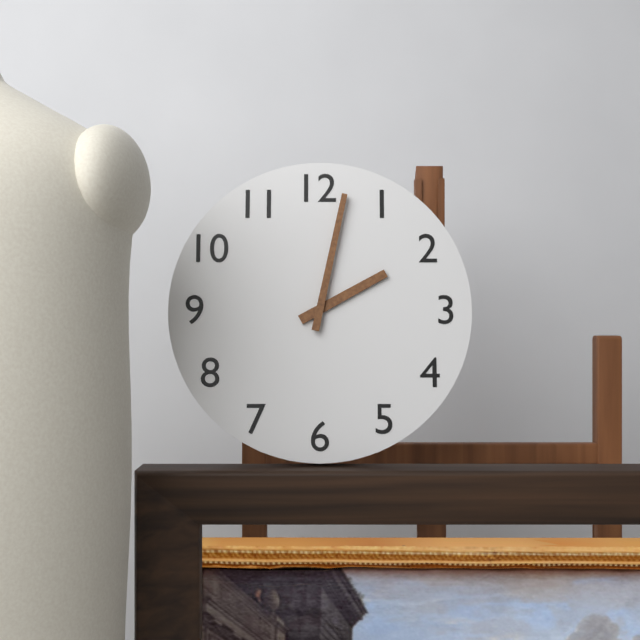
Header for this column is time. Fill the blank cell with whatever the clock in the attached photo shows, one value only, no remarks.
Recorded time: 2:02
